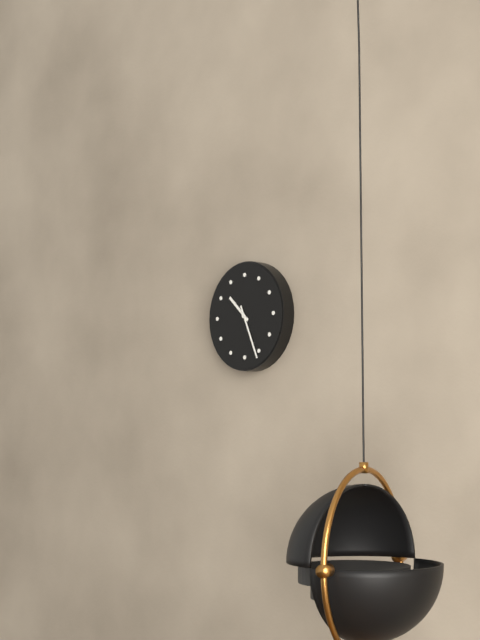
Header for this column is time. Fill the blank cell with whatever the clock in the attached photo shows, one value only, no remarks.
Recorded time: 10:26
